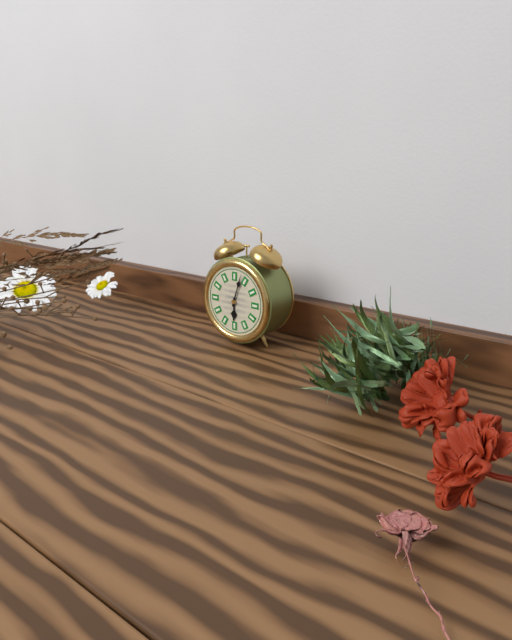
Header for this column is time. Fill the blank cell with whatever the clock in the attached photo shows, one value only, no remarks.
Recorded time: 6:03
